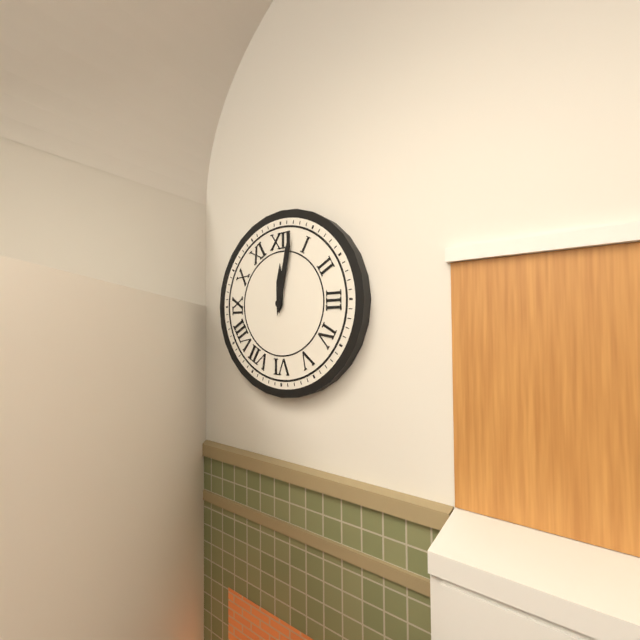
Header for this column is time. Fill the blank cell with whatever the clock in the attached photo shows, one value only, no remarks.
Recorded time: 12:02
